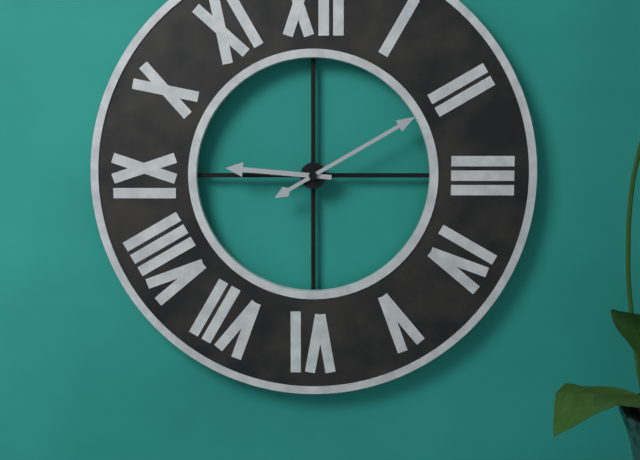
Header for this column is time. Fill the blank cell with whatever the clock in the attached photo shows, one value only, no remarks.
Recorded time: 9:10
